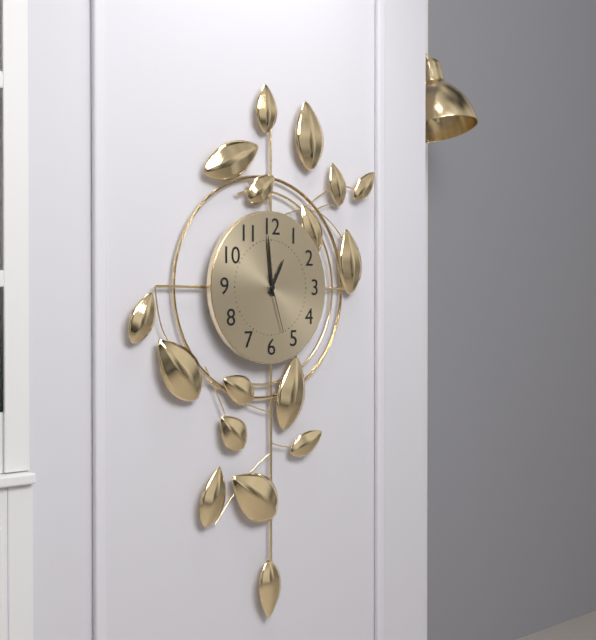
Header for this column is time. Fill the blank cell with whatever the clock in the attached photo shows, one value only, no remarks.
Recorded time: 12:59:27
